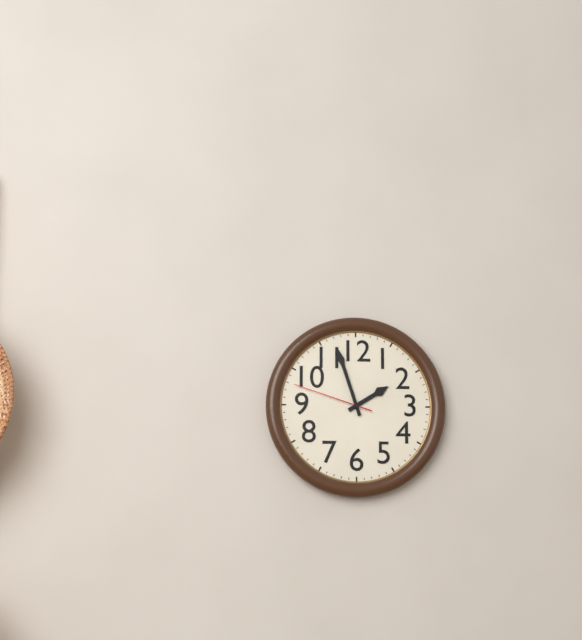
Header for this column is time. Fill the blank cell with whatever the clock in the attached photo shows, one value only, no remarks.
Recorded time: 1:57:48
